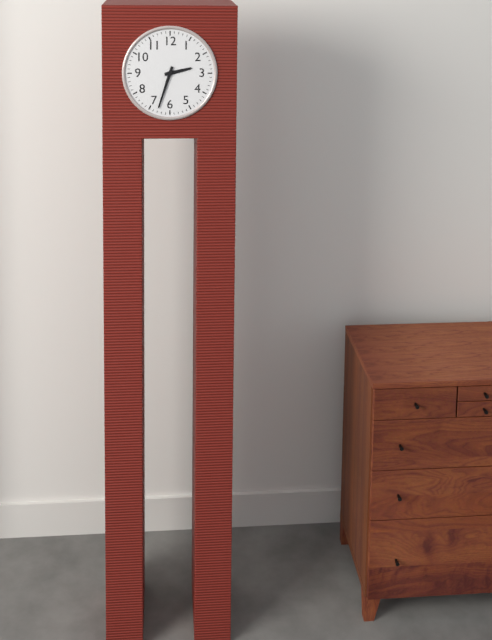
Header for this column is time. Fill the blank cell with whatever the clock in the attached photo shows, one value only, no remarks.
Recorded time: 2:33
